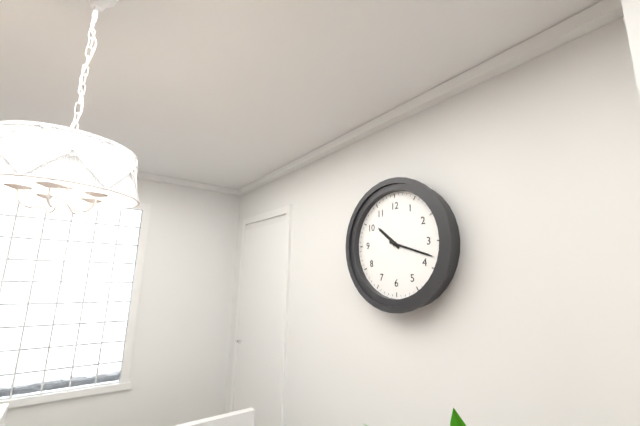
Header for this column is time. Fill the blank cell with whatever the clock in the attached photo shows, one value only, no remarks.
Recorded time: 10:18
